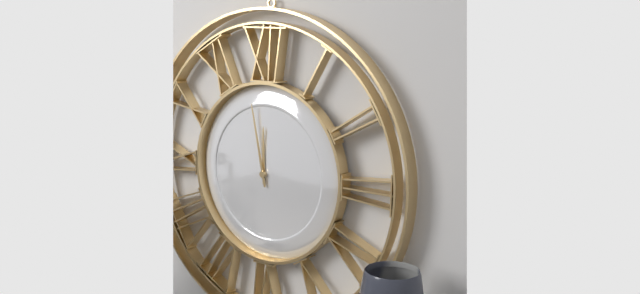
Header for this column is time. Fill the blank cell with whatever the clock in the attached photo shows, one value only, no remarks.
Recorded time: 11:58
